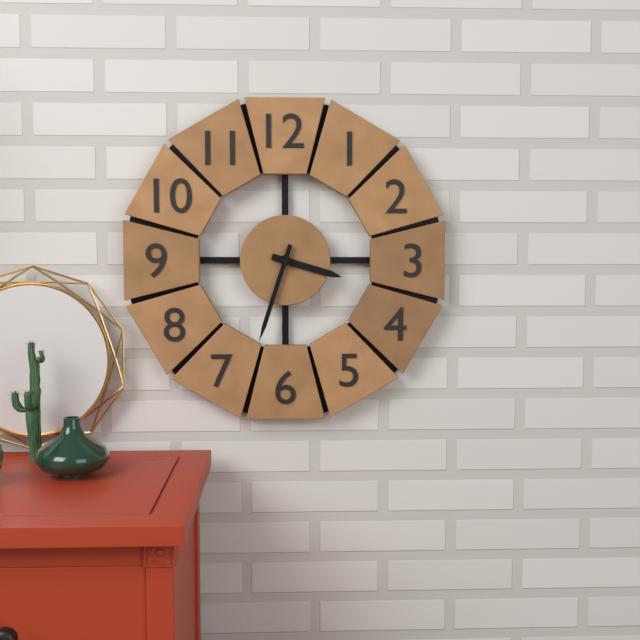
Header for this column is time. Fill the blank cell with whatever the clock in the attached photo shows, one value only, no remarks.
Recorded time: 3:33
